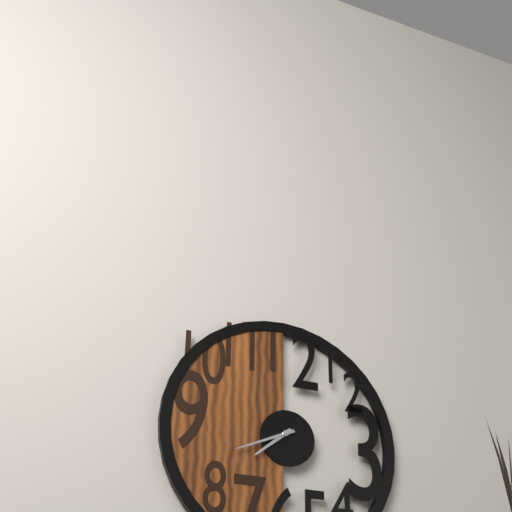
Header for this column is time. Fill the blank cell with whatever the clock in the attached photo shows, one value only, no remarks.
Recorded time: 7:41
